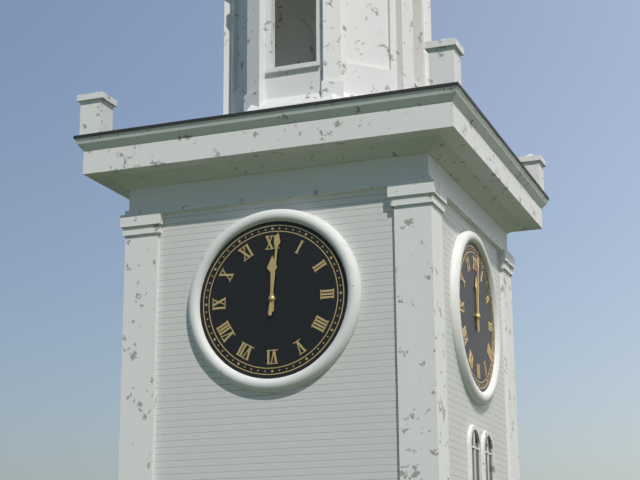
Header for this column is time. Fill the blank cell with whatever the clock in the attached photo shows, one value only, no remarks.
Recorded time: 12:01
